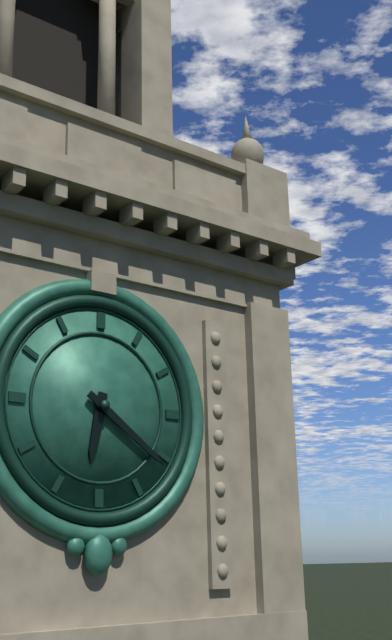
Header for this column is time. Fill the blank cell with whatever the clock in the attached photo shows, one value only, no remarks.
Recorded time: 6:21
